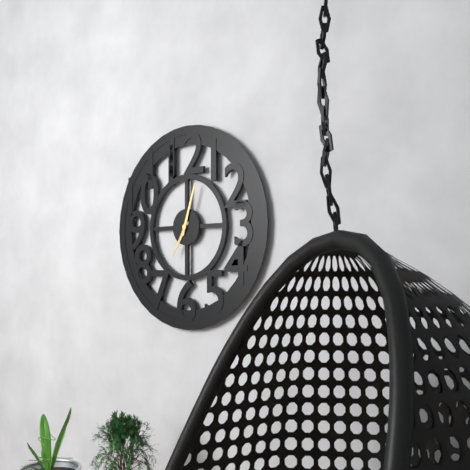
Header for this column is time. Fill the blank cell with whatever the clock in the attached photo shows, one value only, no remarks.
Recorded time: 7:03
